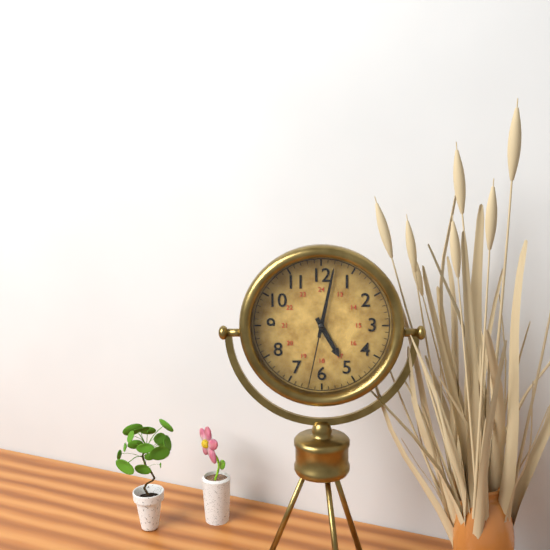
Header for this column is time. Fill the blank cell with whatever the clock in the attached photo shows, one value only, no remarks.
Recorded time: 5:02:32
